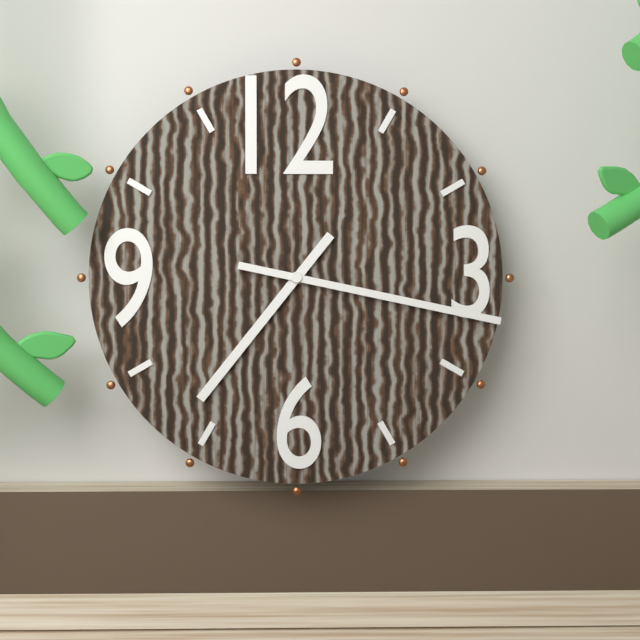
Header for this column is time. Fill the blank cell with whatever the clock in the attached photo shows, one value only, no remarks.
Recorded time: 7:17
